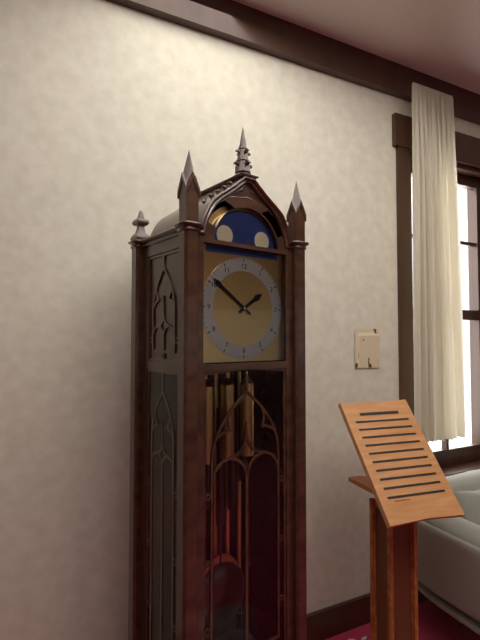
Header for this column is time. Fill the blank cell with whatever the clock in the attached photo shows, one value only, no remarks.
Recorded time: 1:51
